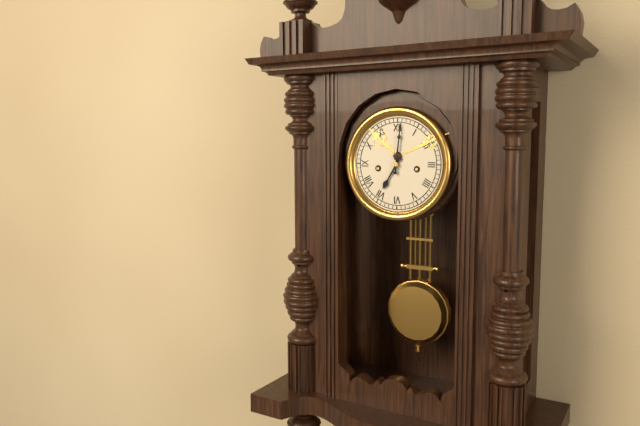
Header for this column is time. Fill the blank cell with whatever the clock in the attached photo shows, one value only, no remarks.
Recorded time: 7:01
